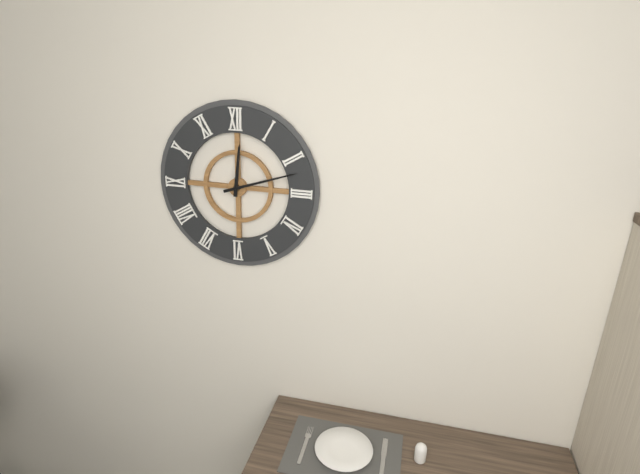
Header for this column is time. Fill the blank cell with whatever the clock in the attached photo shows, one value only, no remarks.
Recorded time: 12:12
